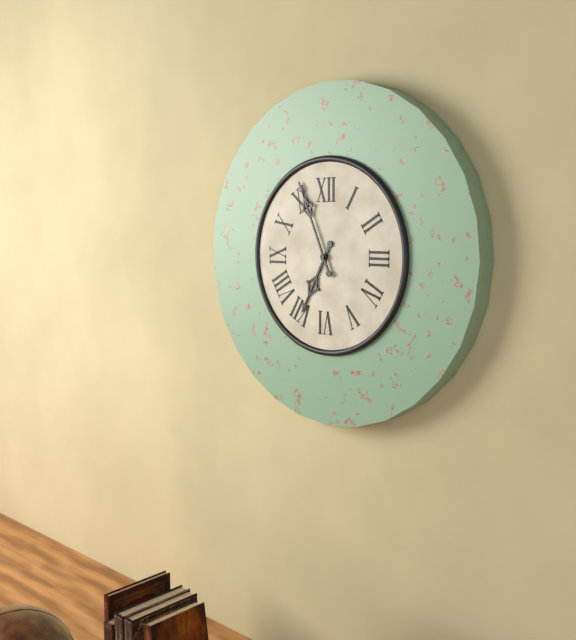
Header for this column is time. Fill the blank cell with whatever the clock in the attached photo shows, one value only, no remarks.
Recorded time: 6:56
